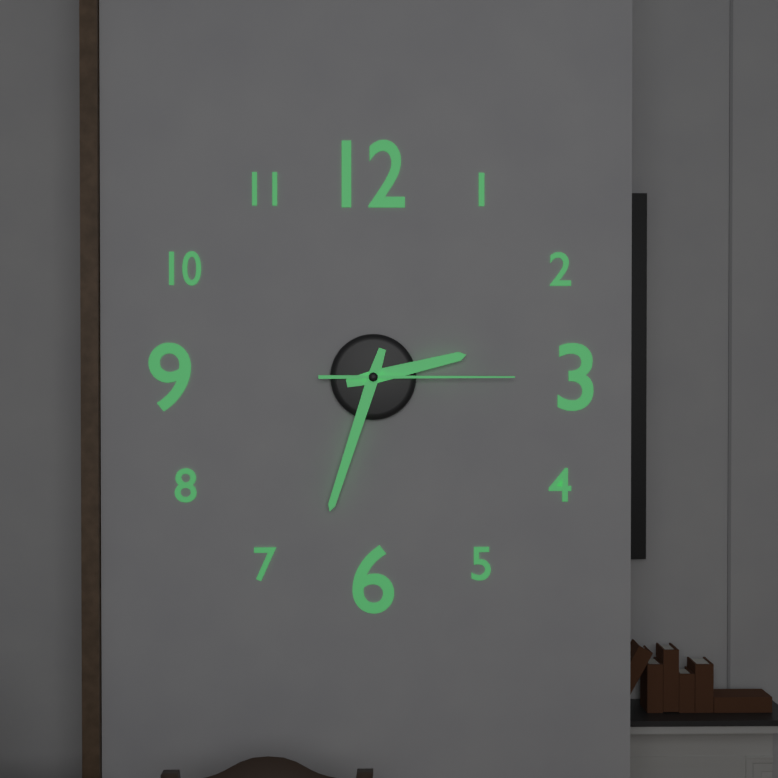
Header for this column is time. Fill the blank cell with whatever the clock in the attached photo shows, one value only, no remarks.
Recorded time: 2:33:15
